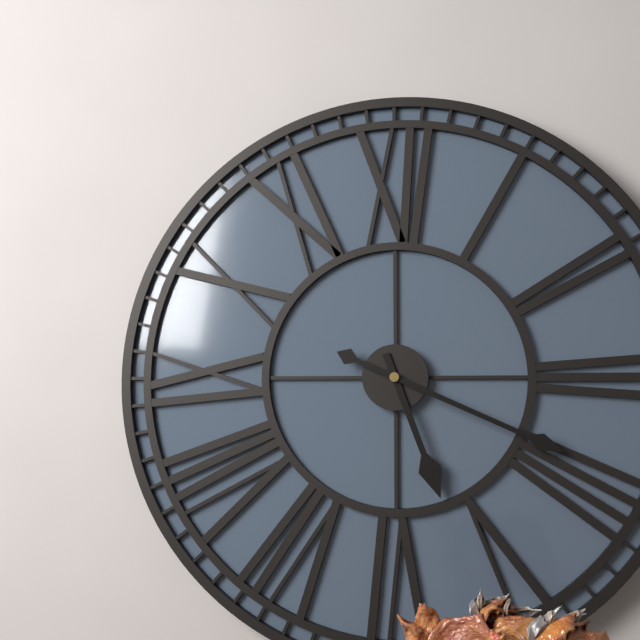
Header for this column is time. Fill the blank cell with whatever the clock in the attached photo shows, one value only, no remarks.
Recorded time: 5:19
